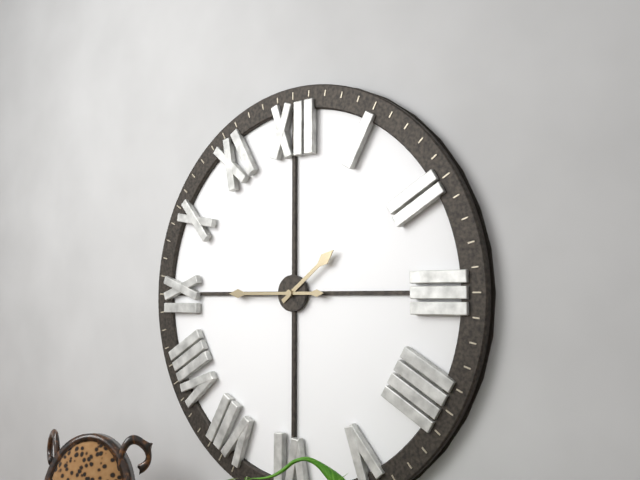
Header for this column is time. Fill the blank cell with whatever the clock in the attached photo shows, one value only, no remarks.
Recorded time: 1:45
